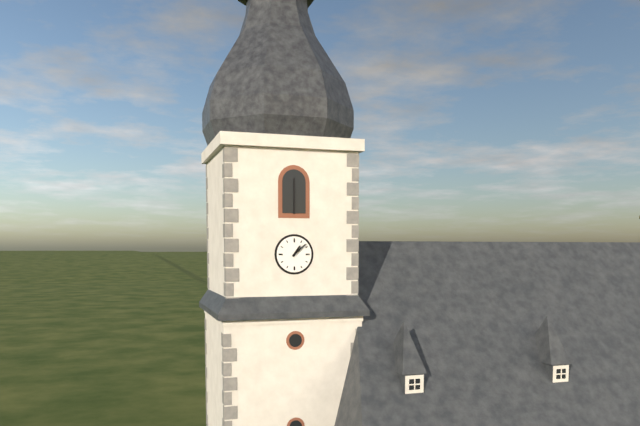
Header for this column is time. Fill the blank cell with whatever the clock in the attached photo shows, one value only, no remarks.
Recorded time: 1:08
